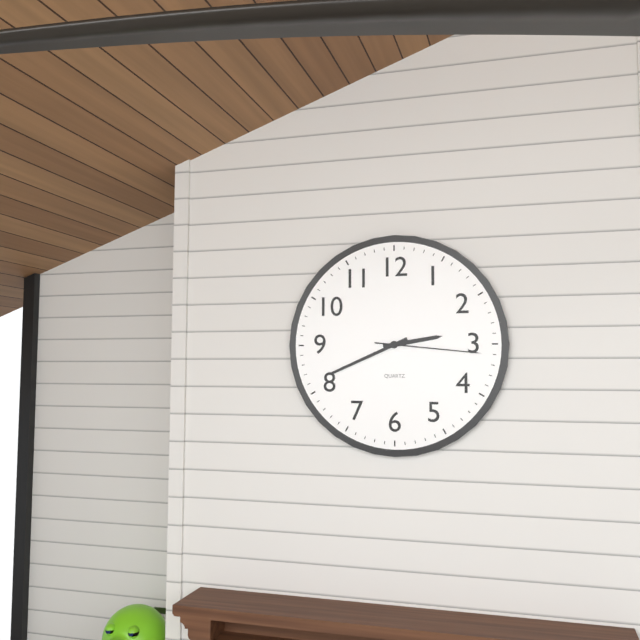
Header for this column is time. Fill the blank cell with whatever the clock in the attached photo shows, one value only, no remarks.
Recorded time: 2:41:16
